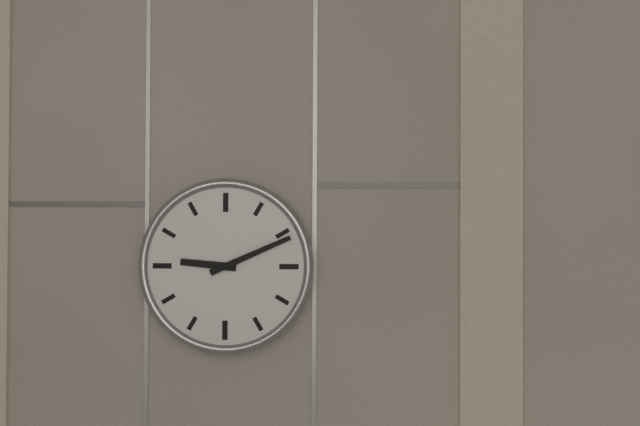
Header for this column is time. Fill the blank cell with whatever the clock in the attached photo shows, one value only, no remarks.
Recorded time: 9:11
